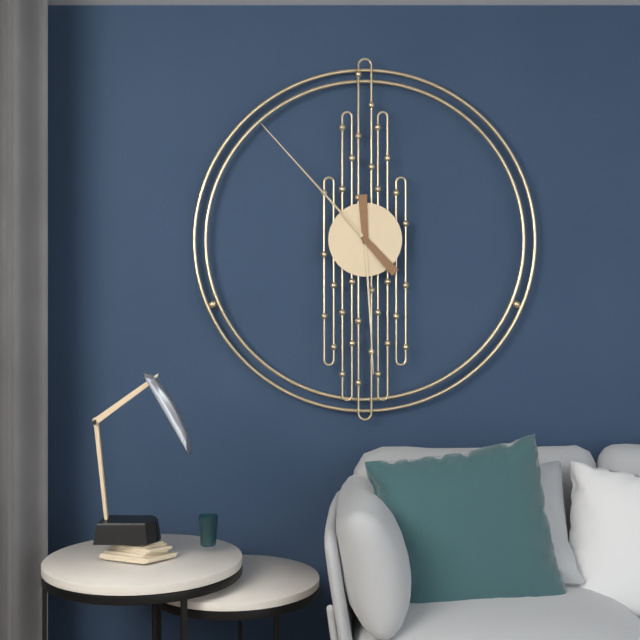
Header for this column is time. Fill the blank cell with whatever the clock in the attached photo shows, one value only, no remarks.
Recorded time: 5:53
